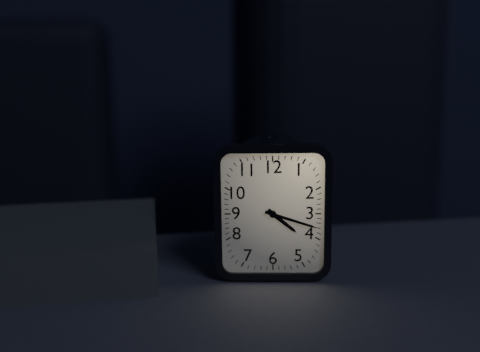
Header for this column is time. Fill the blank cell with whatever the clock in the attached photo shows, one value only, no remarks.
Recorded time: 4:18
